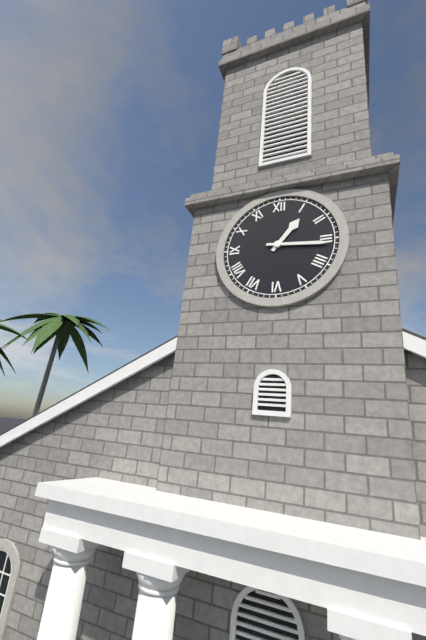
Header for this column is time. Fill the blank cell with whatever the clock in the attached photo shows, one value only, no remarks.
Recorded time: 1:16
